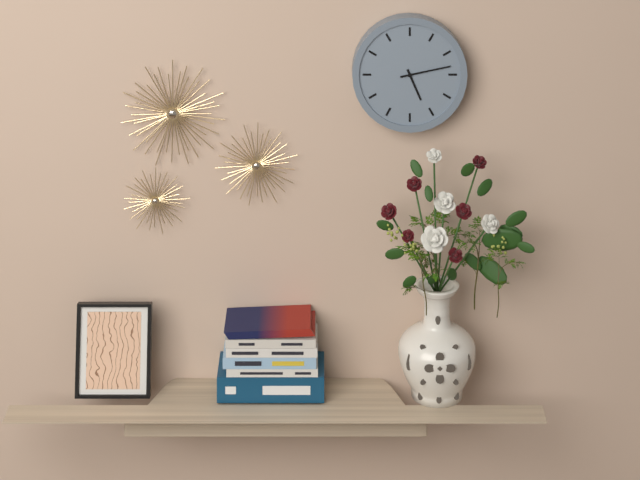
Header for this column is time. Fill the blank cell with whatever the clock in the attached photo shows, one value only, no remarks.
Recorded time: 5:13
